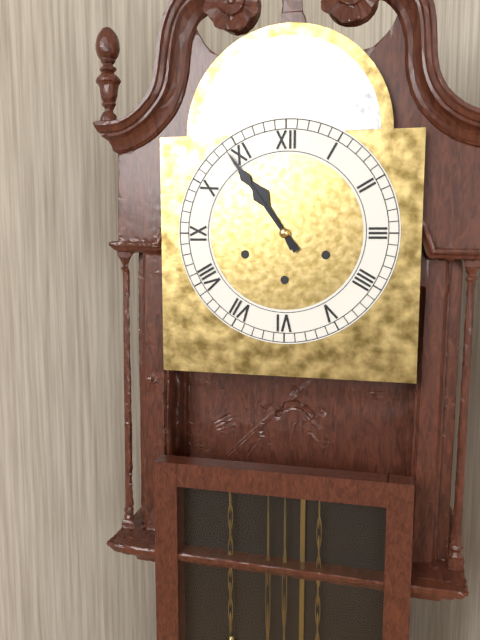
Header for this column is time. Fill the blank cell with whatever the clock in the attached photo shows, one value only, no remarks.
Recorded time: 10:54
